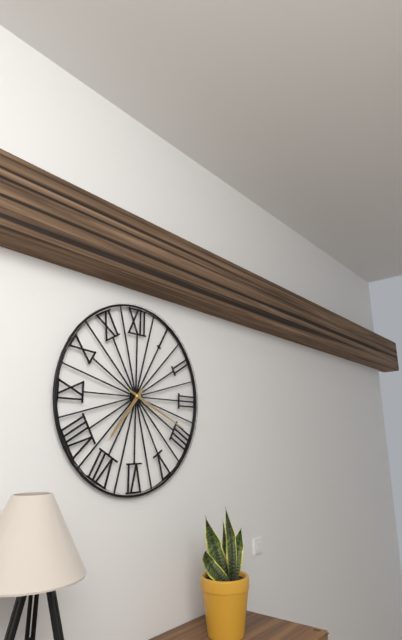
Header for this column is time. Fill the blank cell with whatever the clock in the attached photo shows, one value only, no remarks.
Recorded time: 7:19
